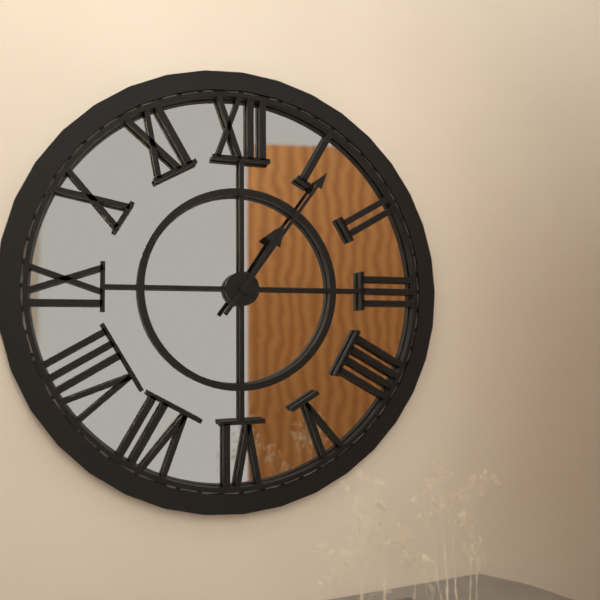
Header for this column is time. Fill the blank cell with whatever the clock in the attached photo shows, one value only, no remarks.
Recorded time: 1:06
